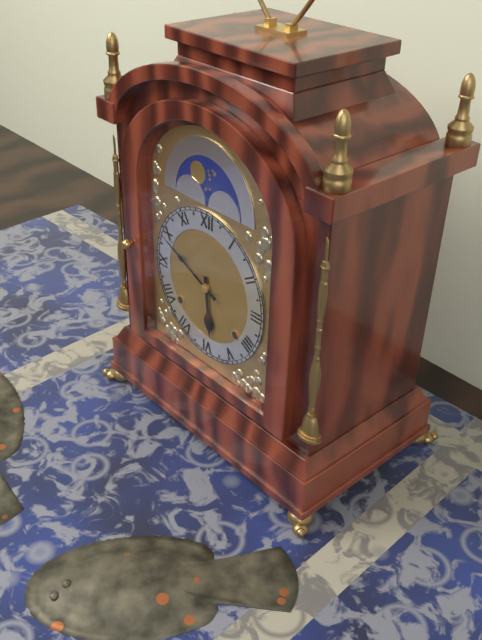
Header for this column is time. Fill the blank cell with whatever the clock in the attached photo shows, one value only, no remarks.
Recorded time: 5:49
